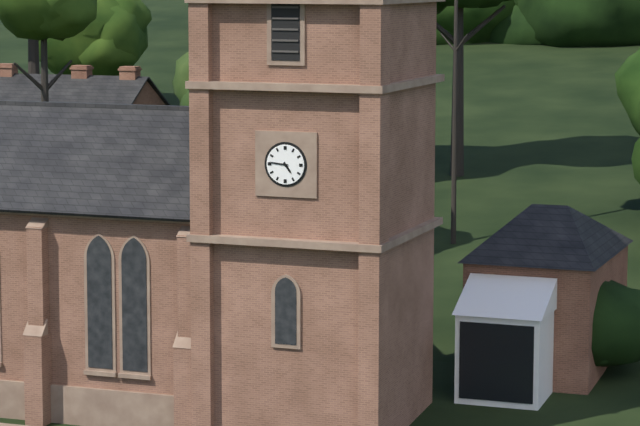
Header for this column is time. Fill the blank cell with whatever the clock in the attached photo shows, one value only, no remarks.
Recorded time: 4:46
